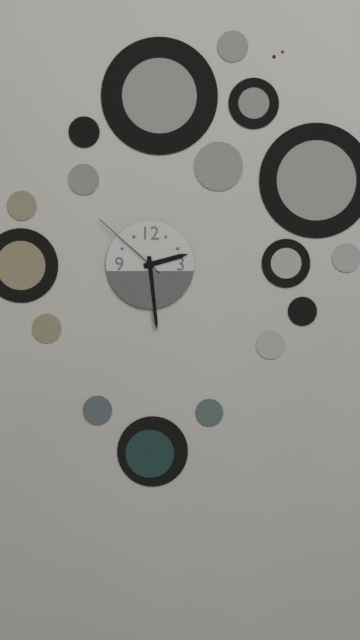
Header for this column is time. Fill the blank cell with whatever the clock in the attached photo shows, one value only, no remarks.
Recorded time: 2:29:52
